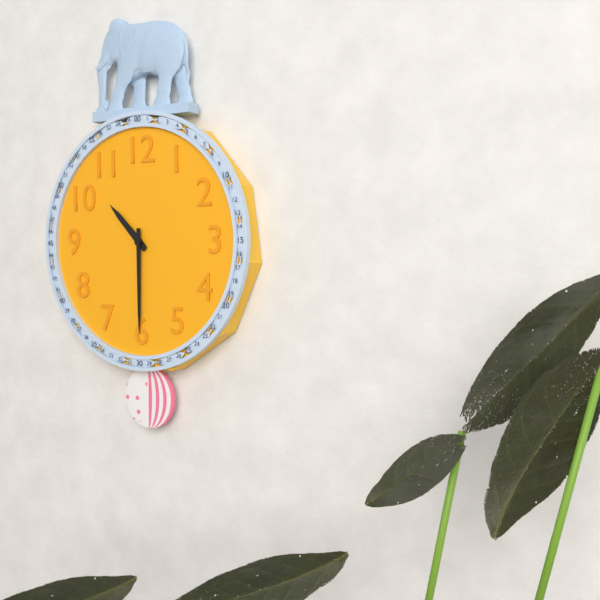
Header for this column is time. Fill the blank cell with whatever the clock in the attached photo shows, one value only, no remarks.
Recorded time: 10:30
